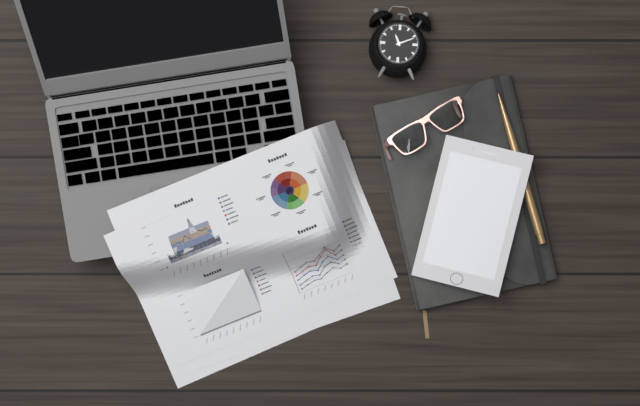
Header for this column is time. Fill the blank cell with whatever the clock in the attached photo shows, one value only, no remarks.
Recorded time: 11:11
